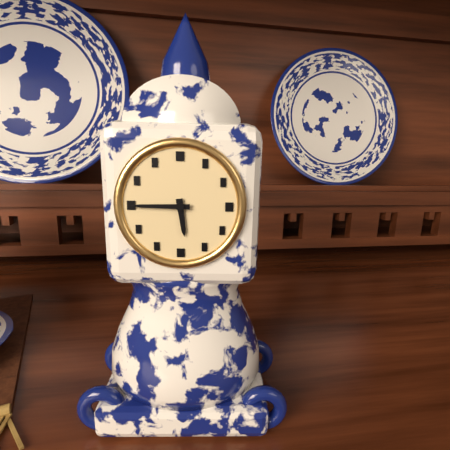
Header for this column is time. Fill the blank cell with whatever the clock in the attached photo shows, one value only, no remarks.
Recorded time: 5:45
